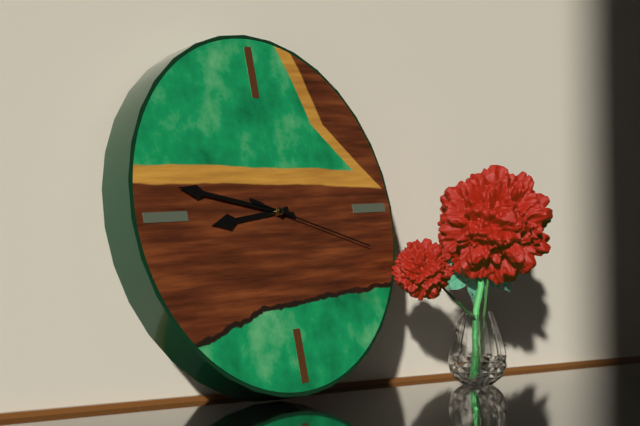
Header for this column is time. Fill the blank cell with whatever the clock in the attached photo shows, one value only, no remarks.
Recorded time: 8:47:18
